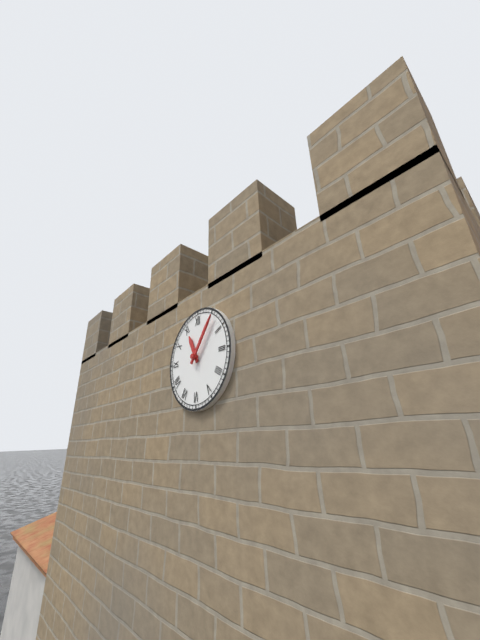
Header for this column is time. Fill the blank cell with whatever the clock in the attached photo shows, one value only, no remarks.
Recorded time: 11:06
